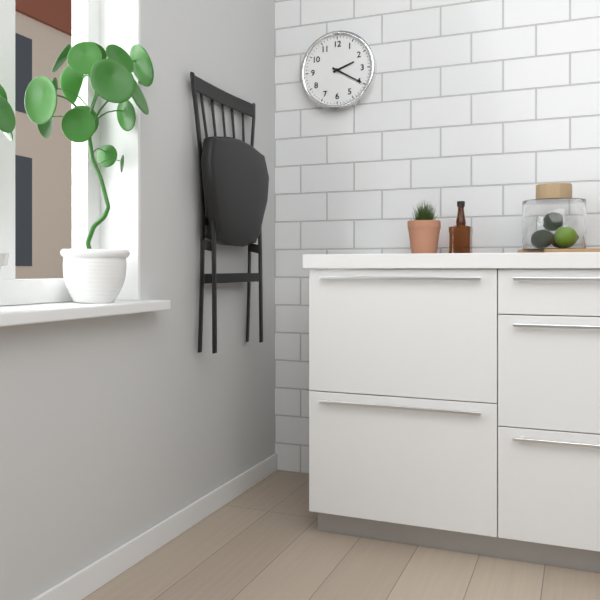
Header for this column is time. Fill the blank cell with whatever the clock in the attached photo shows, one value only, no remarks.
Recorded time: 2:20
